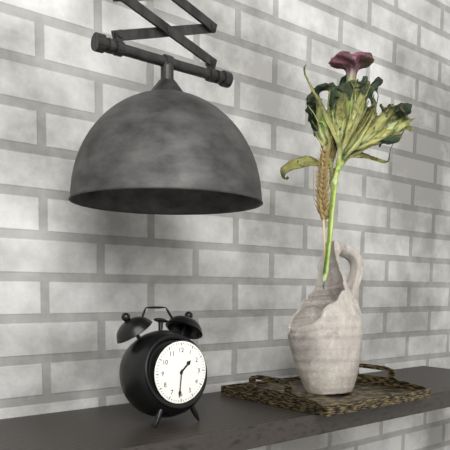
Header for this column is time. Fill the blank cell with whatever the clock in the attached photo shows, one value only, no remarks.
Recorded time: 1:31
